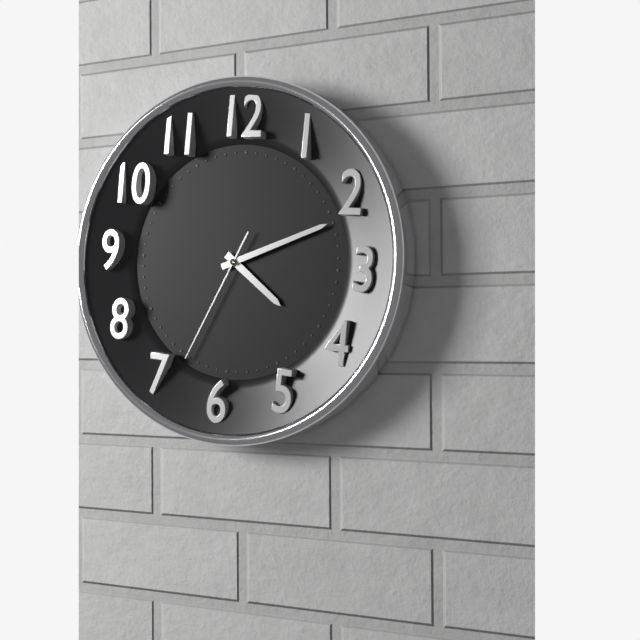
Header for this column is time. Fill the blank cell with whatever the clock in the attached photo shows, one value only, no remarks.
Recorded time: 4:11:34
